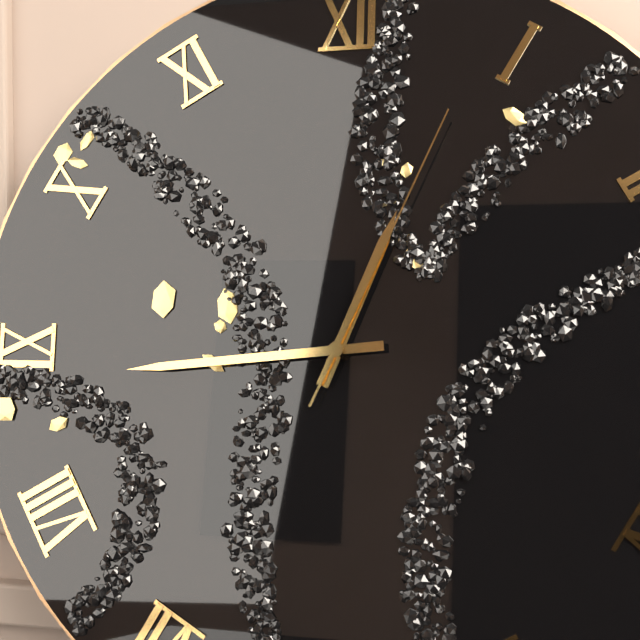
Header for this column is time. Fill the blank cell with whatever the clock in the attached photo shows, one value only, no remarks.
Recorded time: 12:44:04
